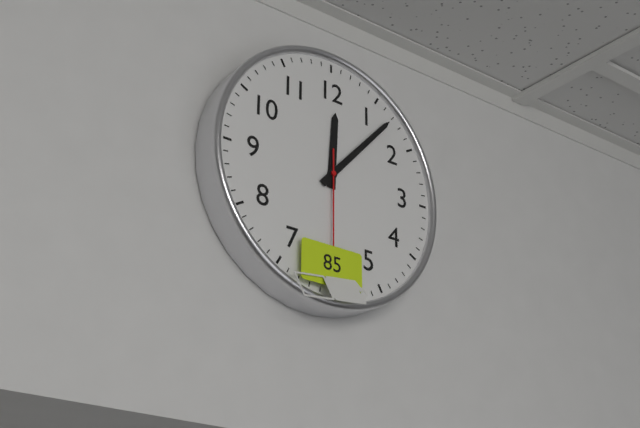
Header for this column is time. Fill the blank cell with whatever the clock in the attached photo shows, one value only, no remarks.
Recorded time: 12:07
